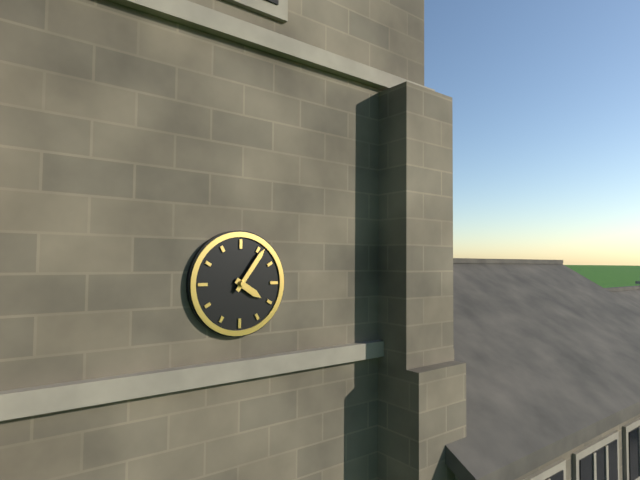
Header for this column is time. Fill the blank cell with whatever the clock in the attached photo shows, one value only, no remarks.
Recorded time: 4:06
